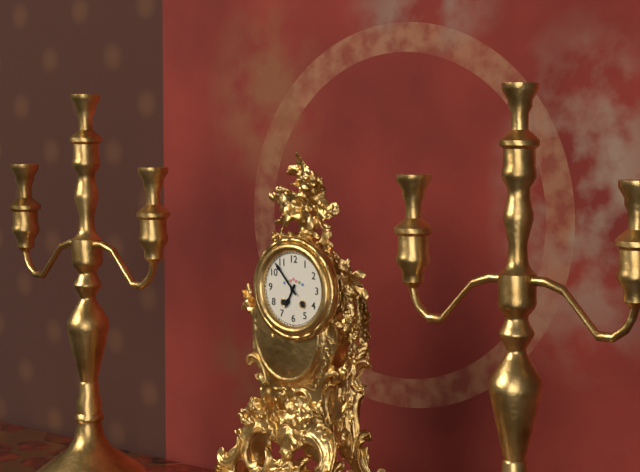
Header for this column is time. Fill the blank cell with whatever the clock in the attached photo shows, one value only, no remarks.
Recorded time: 6:53
